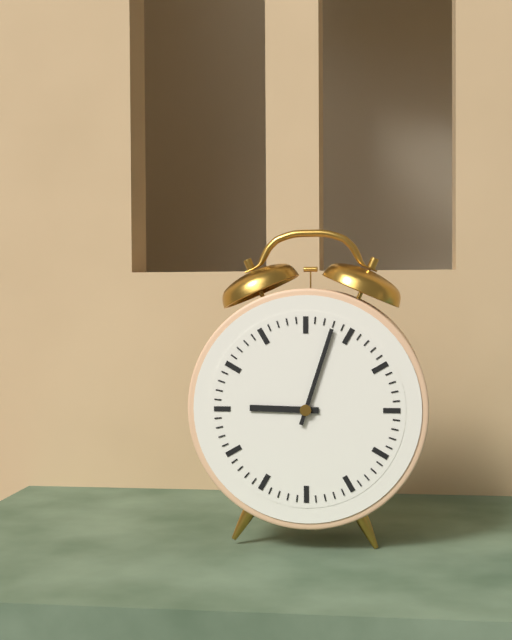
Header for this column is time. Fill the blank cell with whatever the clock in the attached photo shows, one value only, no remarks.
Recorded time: 9:03
